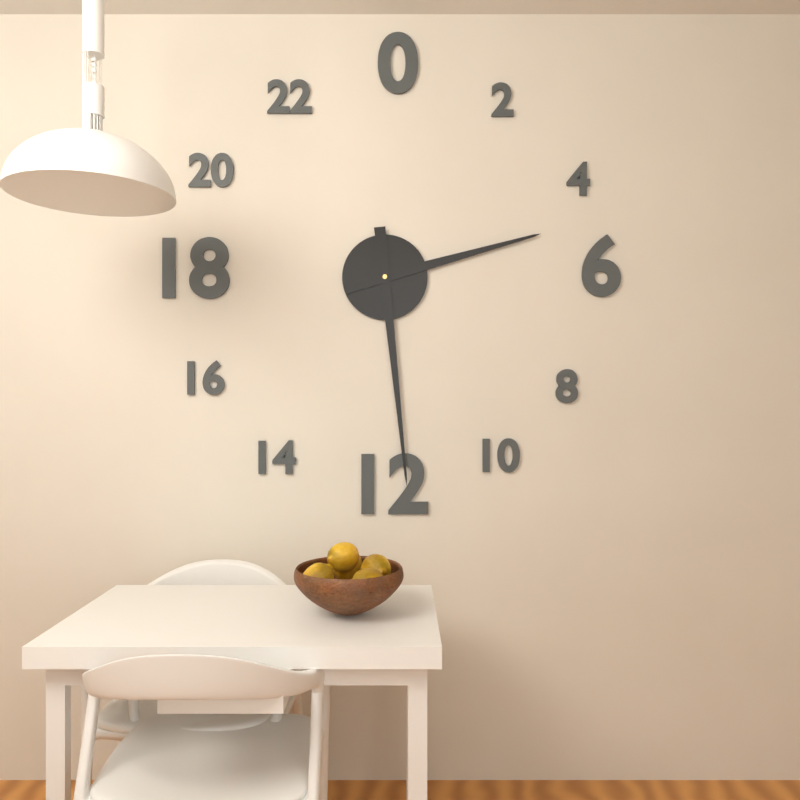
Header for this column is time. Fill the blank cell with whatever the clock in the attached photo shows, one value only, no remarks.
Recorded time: 2:29
